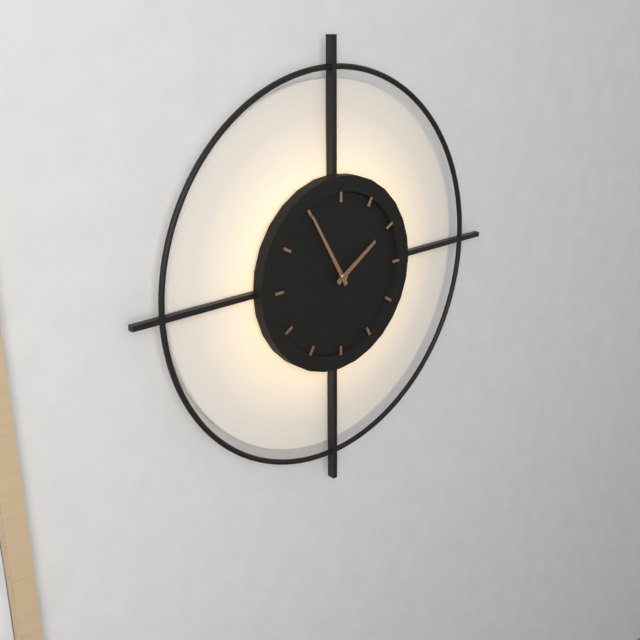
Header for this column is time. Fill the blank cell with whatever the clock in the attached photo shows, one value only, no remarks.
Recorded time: 1:55
